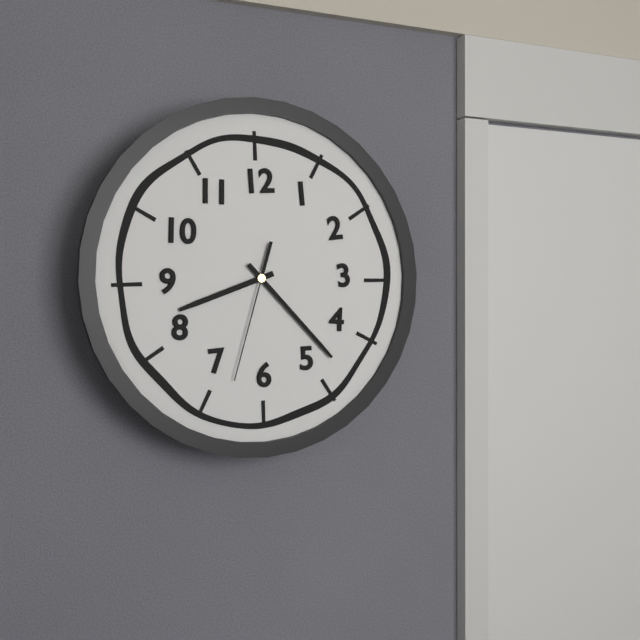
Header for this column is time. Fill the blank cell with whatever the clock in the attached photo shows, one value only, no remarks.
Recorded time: 8:23:33
